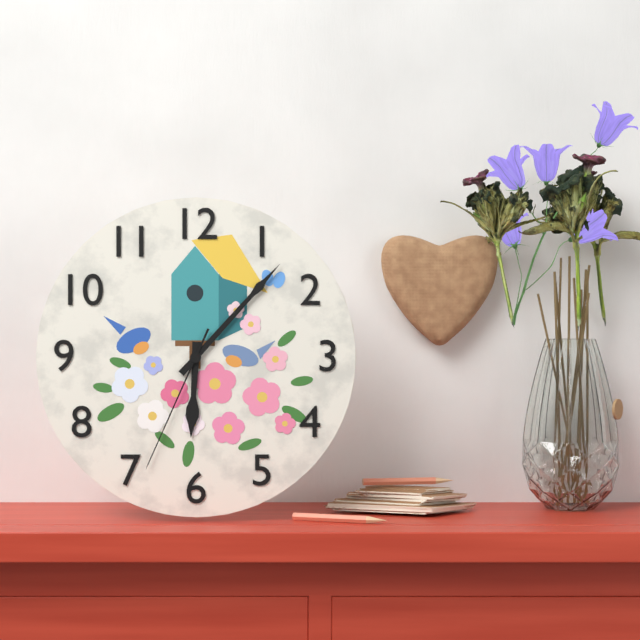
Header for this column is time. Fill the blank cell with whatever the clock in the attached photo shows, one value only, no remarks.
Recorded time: 6:07:34
